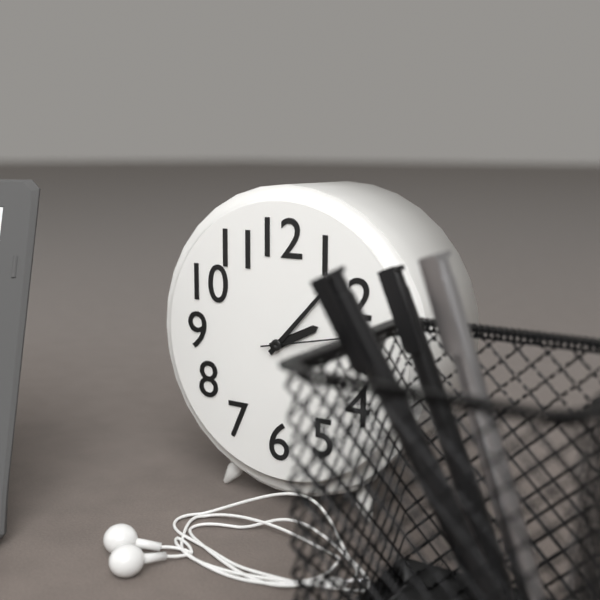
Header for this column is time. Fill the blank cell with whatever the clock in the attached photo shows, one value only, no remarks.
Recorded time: 2:07:13
